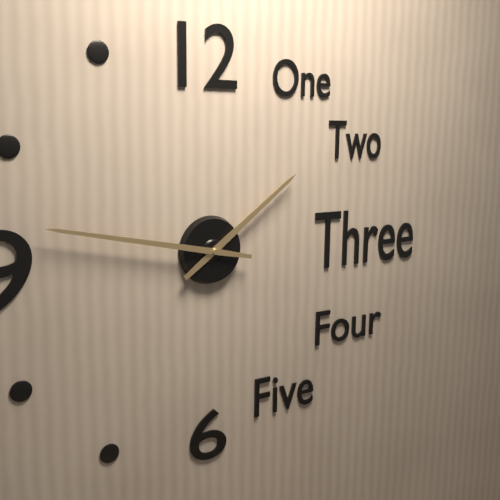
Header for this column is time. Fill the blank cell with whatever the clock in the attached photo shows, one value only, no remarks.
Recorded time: 1:47
